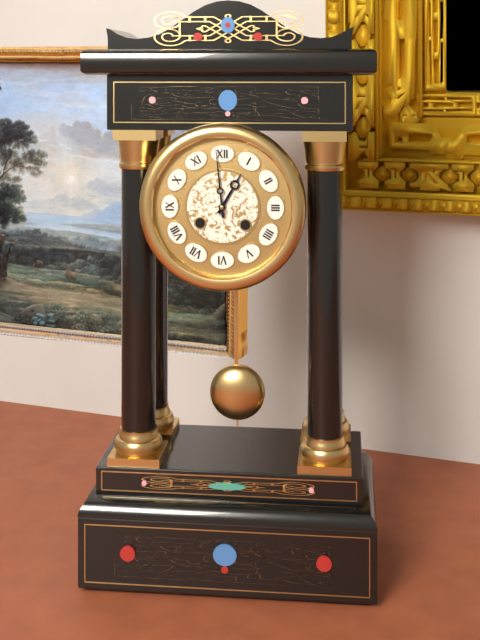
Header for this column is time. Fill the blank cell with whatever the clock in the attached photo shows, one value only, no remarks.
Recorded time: 12:59
